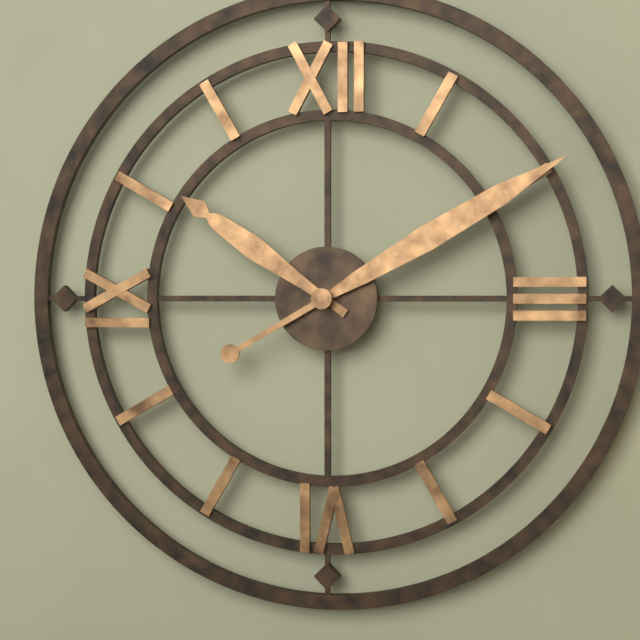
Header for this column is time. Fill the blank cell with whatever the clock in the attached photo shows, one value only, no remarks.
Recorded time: 10:10
